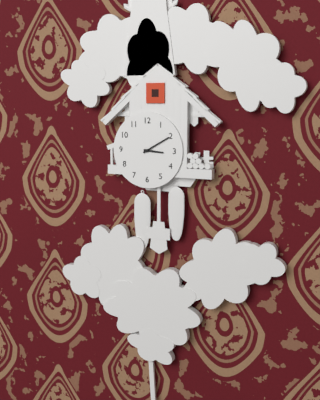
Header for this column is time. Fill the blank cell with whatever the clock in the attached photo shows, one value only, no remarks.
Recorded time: 3:10
